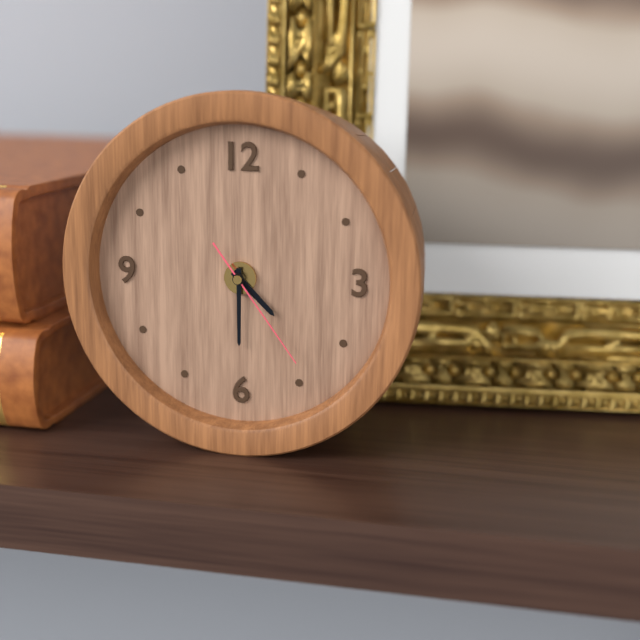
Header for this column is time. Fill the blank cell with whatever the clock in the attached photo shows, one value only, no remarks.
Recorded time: 4:30:24
